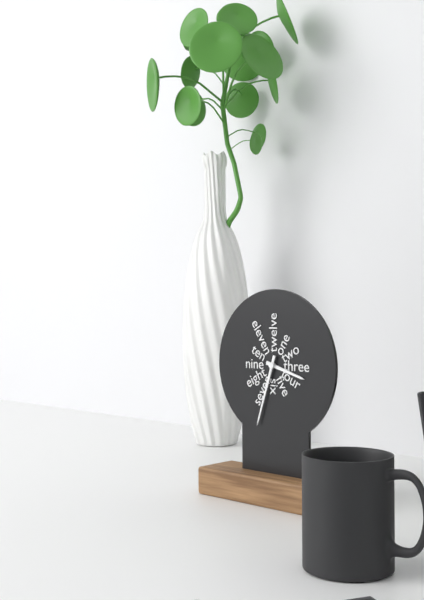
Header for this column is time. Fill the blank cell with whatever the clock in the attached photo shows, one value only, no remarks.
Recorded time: 3:33
